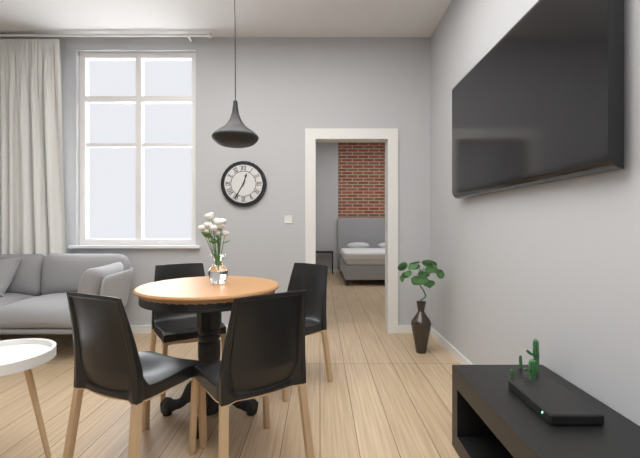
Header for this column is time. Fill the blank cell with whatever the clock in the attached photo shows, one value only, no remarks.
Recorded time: 12:35
